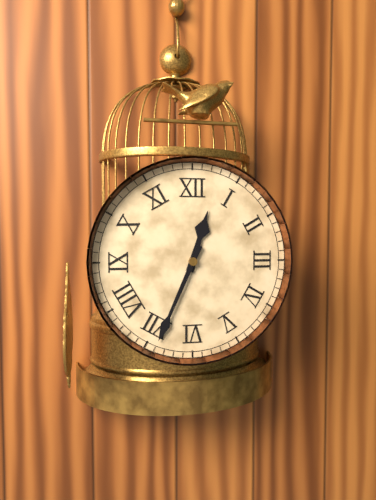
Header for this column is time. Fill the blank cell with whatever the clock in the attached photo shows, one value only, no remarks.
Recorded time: 12:34
